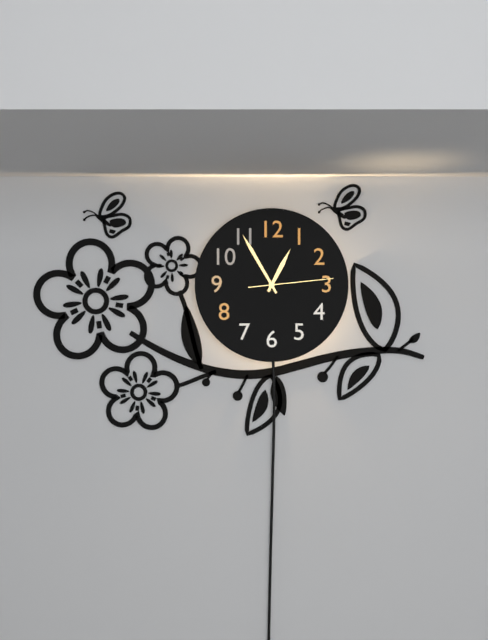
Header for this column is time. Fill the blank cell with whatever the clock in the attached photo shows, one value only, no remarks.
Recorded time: 12:55:14
